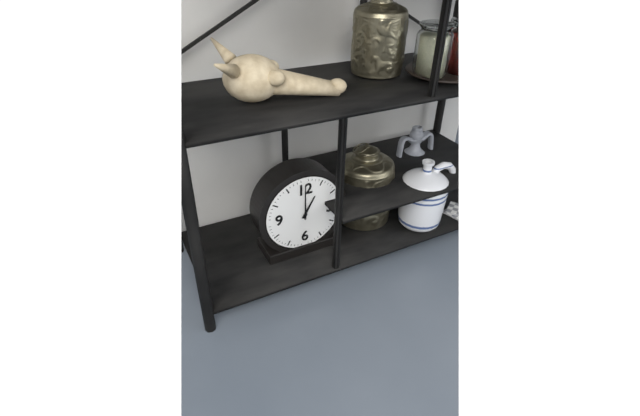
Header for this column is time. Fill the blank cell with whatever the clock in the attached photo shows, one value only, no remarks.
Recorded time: 1:00
